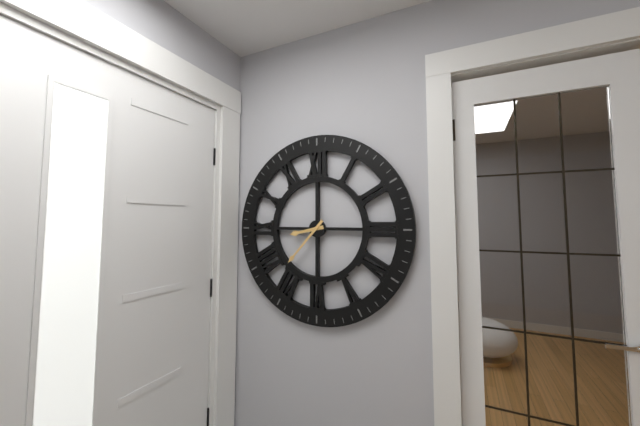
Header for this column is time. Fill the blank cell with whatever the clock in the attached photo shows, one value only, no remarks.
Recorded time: 8:37
